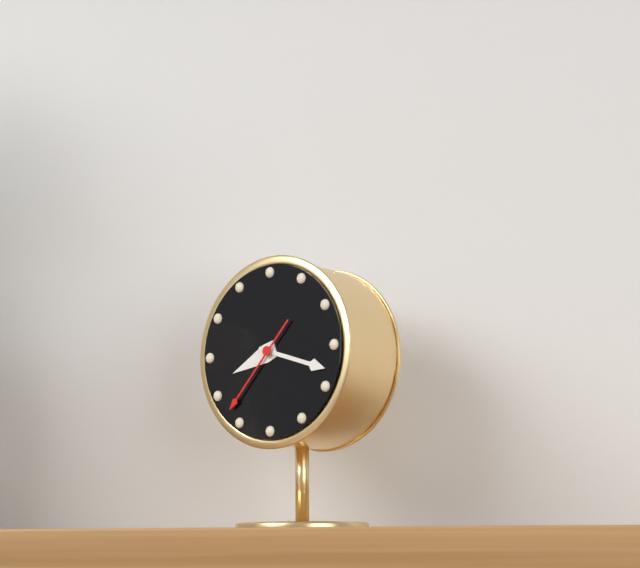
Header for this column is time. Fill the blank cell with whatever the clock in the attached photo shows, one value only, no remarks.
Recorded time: 8:18:37
